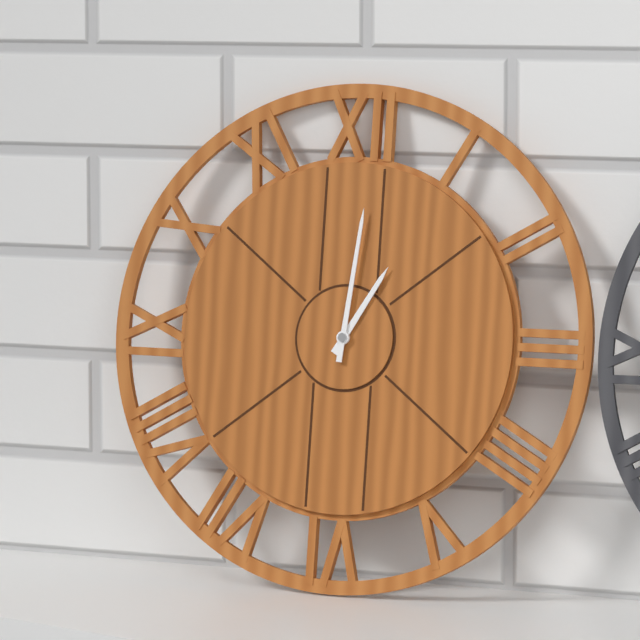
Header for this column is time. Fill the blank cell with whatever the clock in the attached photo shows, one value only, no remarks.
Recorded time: 1:01
